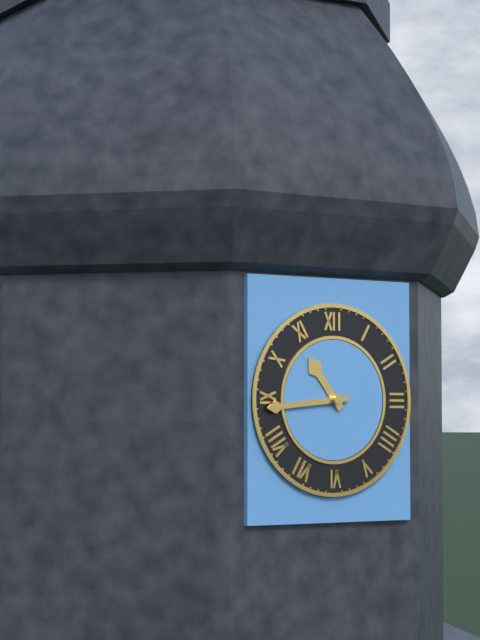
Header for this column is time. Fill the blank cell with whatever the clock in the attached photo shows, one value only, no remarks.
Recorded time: 10:44
